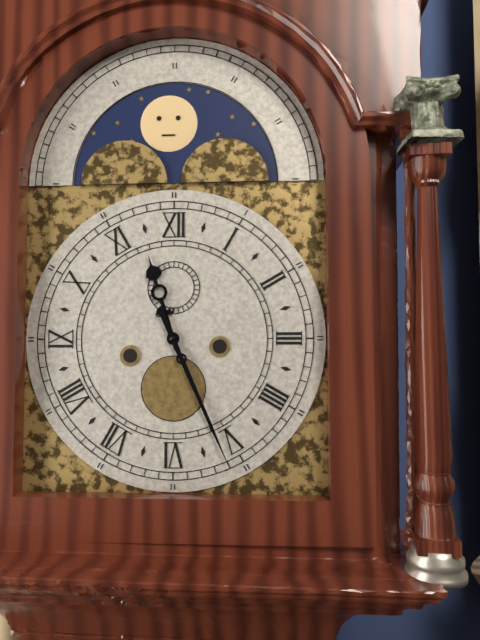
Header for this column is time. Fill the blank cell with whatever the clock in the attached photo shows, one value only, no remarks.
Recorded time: 11:26
